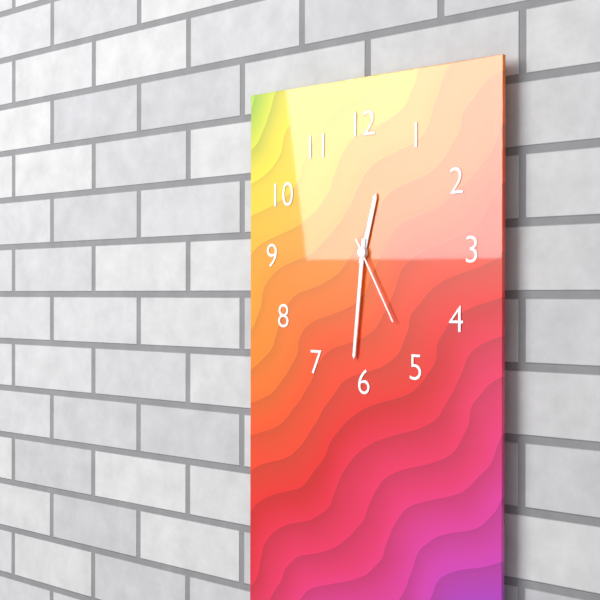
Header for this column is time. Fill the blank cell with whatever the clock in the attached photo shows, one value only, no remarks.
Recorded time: 12:31:25
